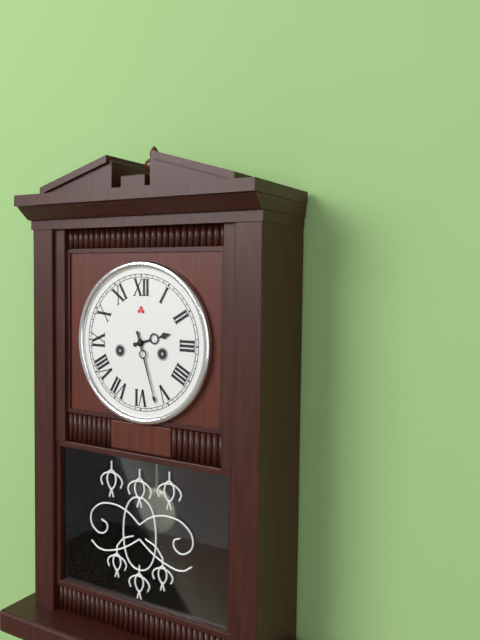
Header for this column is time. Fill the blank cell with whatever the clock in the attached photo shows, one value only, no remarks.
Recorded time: 2:27
